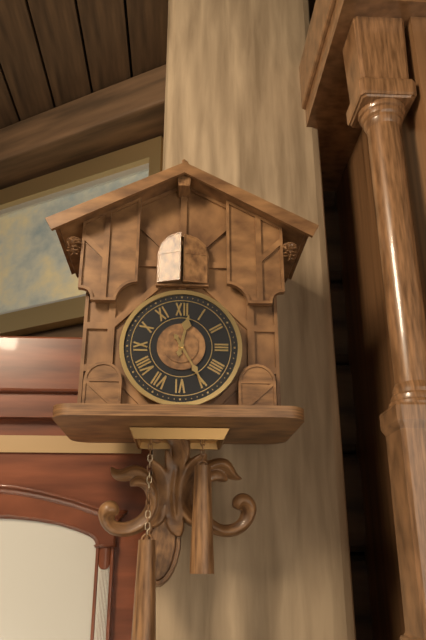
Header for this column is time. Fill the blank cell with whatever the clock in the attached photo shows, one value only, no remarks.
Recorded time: 12:25
